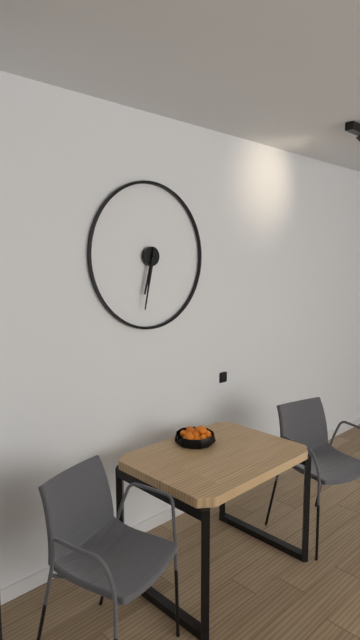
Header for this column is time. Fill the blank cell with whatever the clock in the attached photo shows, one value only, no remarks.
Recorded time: 6:32
